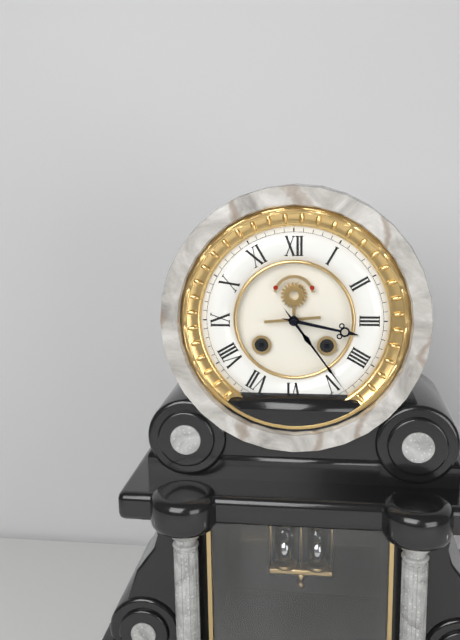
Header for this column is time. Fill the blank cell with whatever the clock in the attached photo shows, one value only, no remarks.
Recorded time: 3:24
